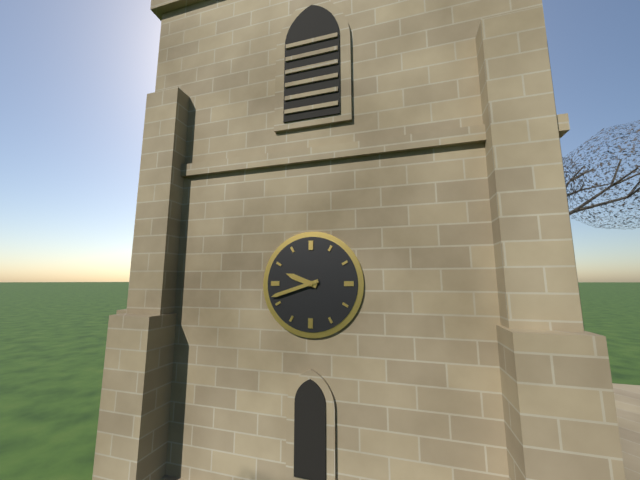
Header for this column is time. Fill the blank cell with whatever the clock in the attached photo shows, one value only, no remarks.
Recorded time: 9:42
